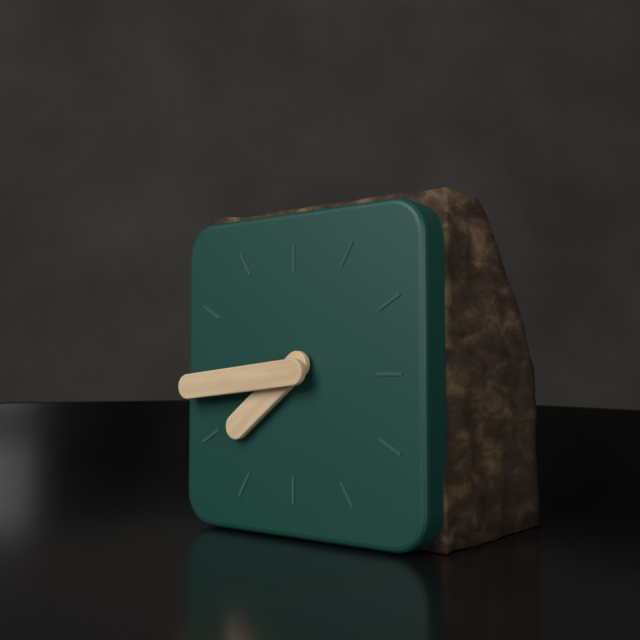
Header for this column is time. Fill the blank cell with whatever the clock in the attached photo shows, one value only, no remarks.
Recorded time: 7:44
